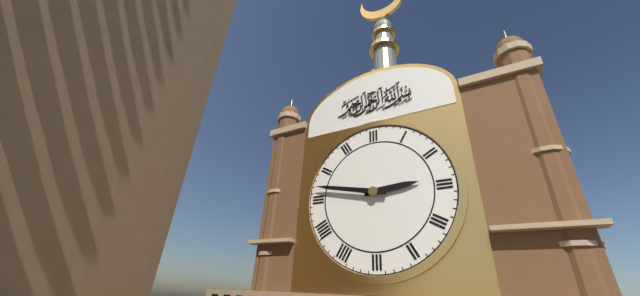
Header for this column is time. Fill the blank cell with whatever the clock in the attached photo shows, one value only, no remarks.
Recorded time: 2:47
